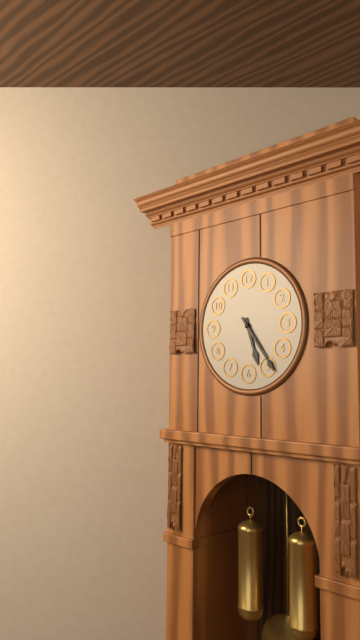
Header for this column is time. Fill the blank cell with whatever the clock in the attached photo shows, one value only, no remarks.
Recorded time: 5:24
